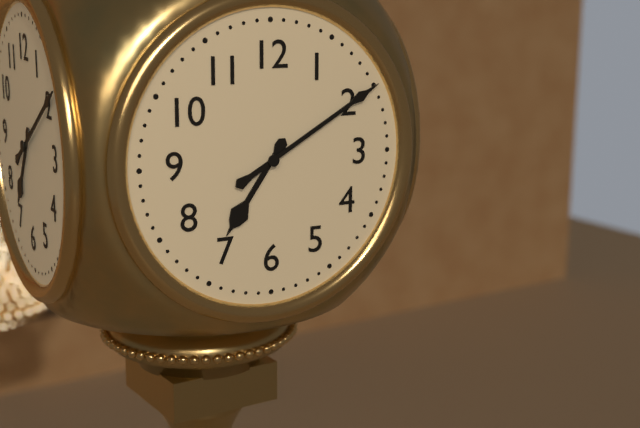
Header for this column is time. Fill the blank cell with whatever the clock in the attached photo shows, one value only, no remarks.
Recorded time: 7:10
